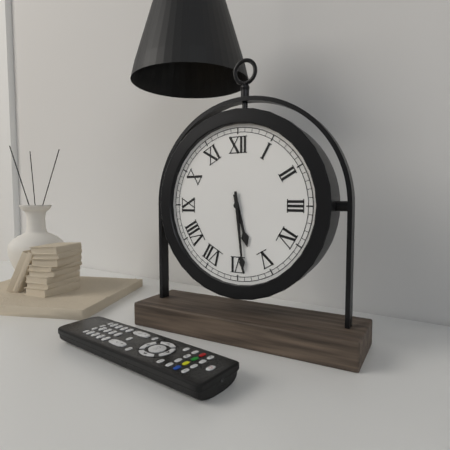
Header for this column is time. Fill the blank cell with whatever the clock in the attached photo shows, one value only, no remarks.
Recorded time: 5:29
